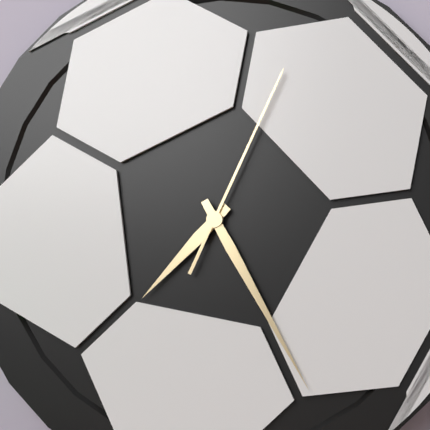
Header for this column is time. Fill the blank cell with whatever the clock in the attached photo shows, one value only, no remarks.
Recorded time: 7:25:04
